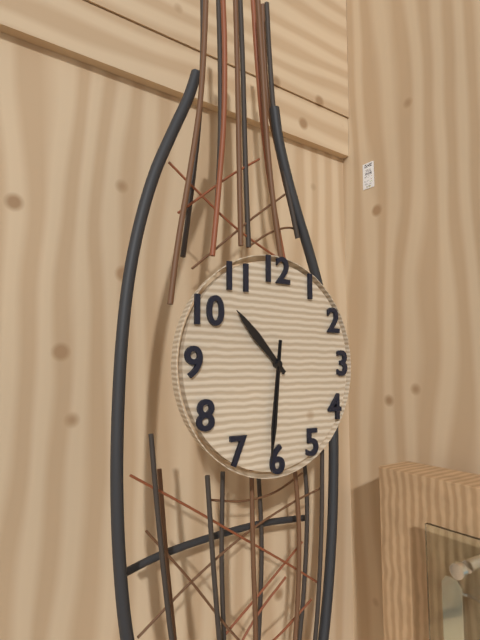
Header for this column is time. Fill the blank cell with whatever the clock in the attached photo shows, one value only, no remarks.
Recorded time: 10:31:31
